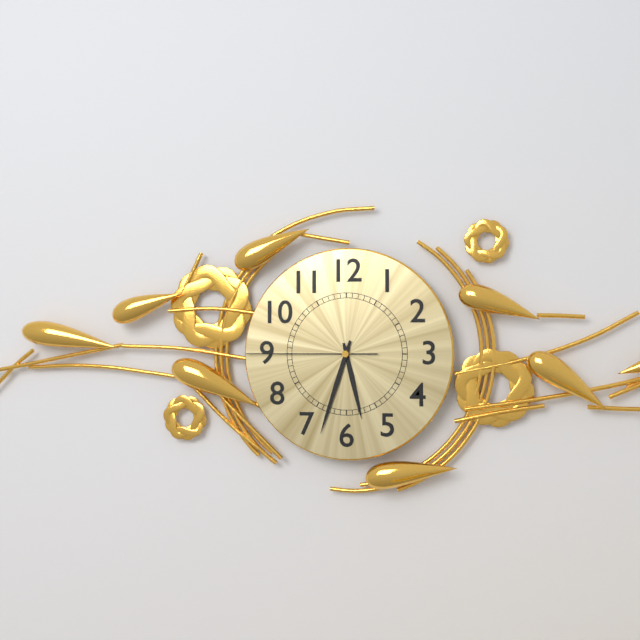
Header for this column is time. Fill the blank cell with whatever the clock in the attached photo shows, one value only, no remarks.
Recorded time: 5:33:45
